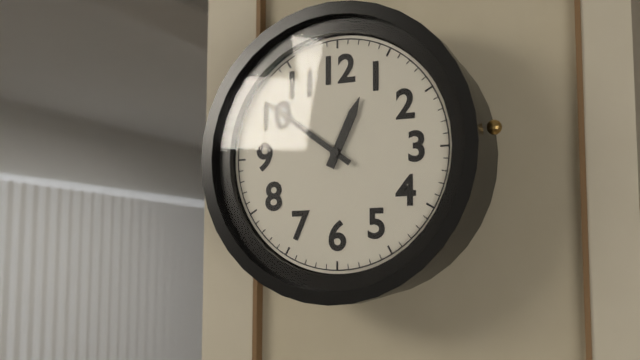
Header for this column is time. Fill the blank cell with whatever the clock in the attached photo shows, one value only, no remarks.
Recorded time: 12:51
